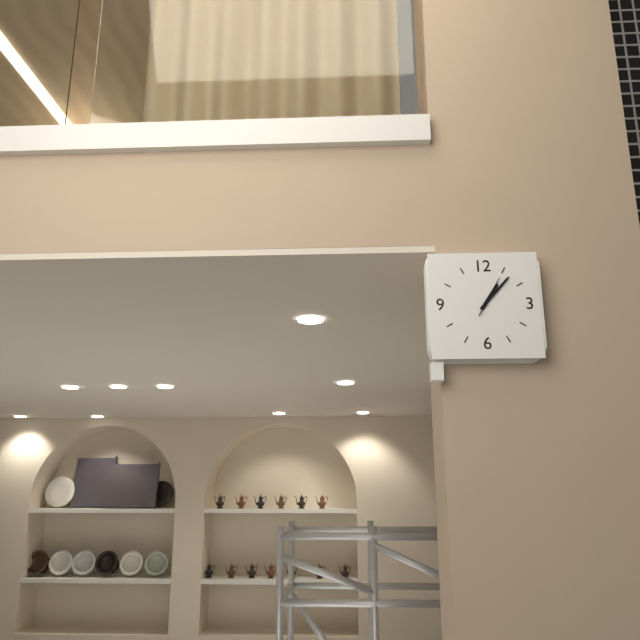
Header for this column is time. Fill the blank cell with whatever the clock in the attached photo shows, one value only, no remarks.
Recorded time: 1:07
